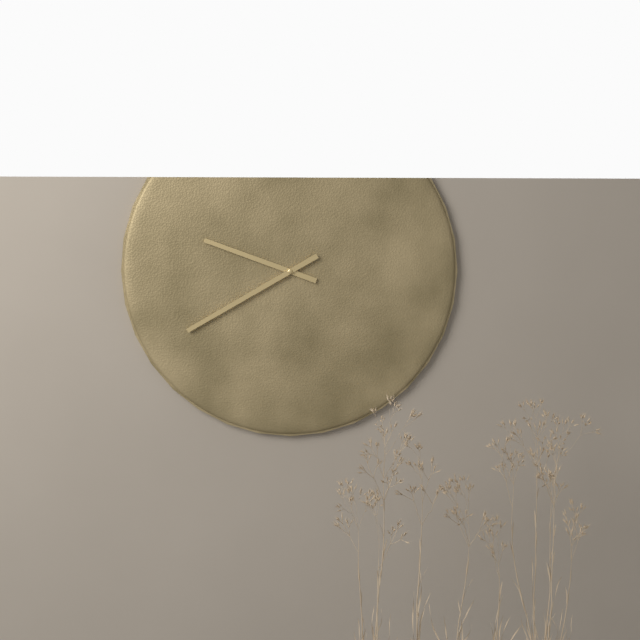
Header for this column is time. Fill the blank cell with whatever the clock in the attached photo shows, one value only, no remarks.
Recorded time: 9:40
